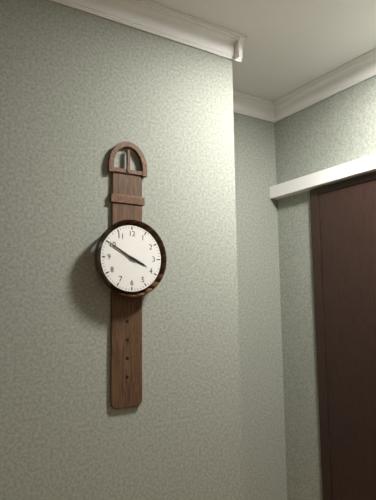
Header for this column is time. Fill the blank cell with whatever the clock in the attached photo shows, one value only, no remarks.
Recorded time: 3:50
